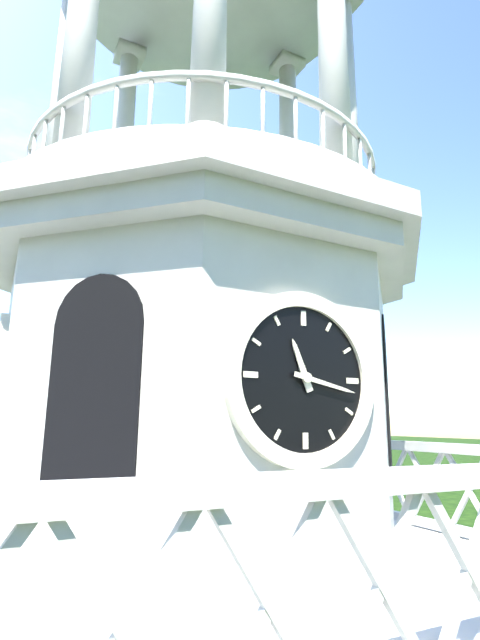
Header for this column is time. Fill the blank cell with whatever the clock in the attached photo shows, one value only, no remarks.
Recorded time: 11:17
